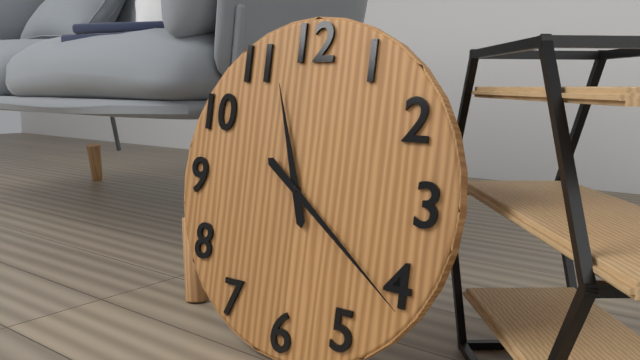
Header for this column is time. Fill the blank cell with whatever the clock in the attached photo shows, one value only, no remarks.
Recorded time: 11:21
